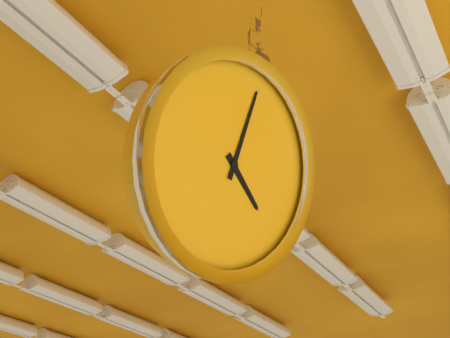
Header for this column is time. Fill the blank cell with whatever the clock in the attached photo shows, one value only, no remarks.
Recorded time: 4:00
